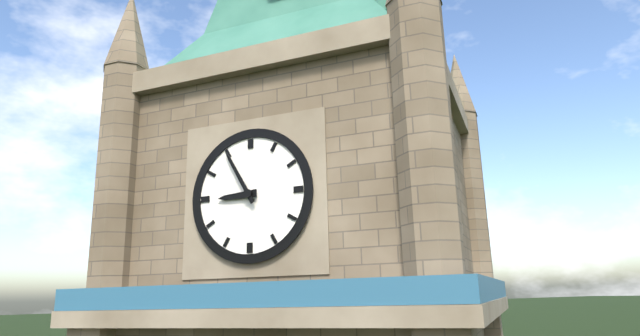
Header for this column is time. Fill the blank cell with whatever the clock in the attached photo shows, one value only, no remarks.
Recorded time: 8:55
